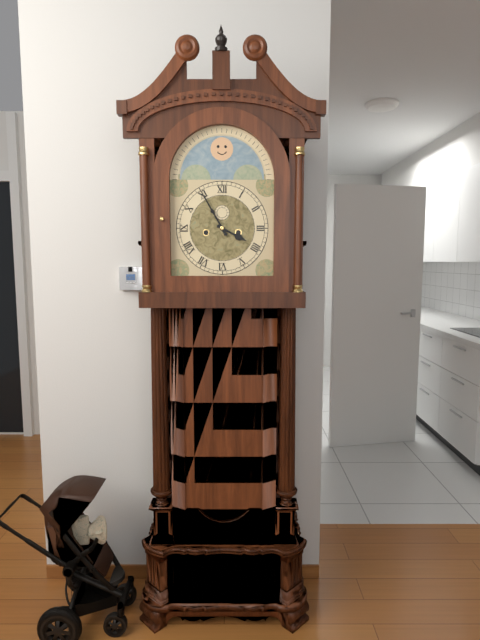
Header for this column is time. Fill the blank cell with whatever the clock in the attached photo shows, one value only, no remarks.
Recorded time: 3:55
